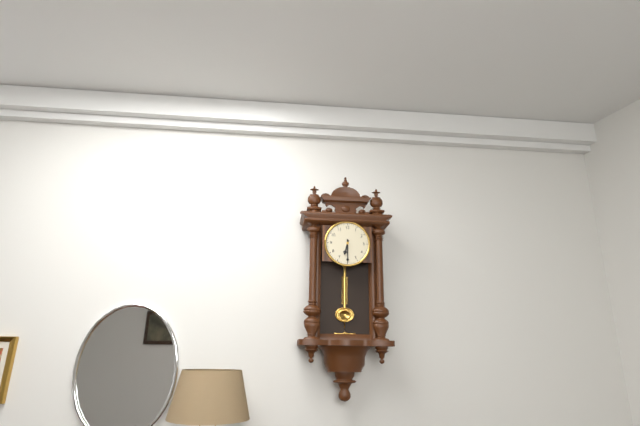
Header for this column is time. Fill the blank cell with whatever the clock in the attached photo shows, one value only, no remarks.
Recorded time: 6:30
